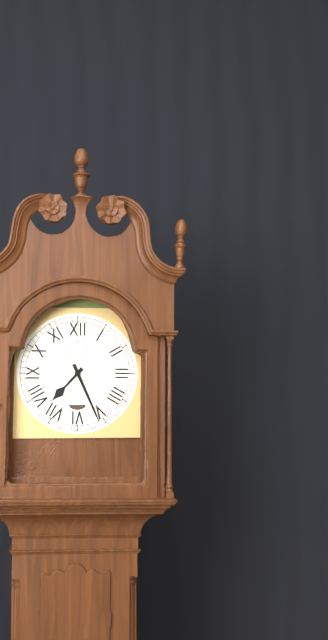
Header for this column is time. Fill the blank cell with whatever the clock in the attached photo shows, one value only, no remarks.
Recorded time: 7:26
